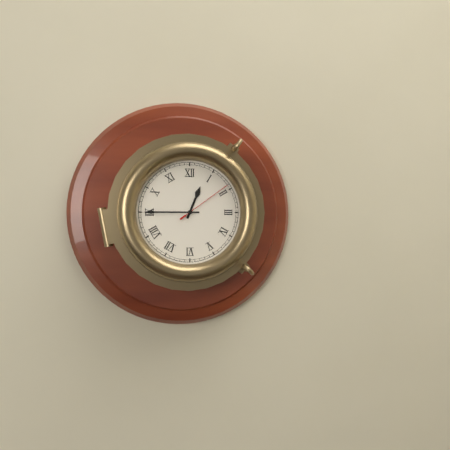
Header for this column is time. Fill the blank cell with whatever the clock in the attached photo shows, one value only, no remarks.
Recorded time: 12:45:09
